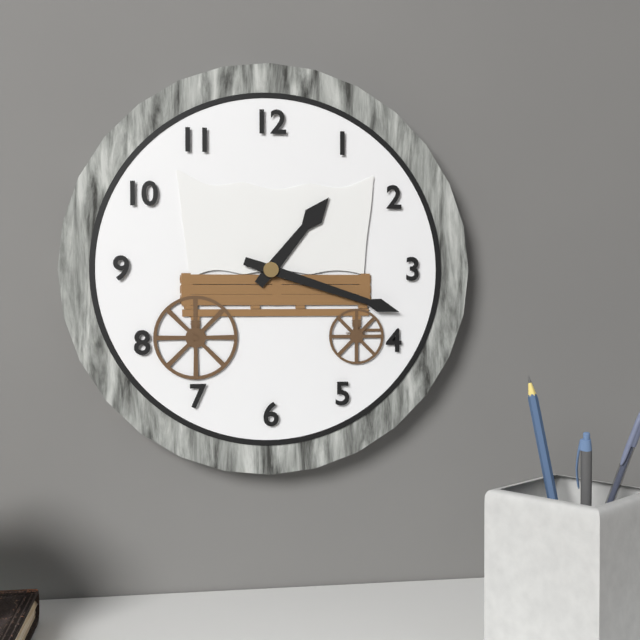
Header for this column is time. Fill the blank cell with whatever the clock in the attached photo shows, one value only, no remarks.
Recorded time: 1:18
